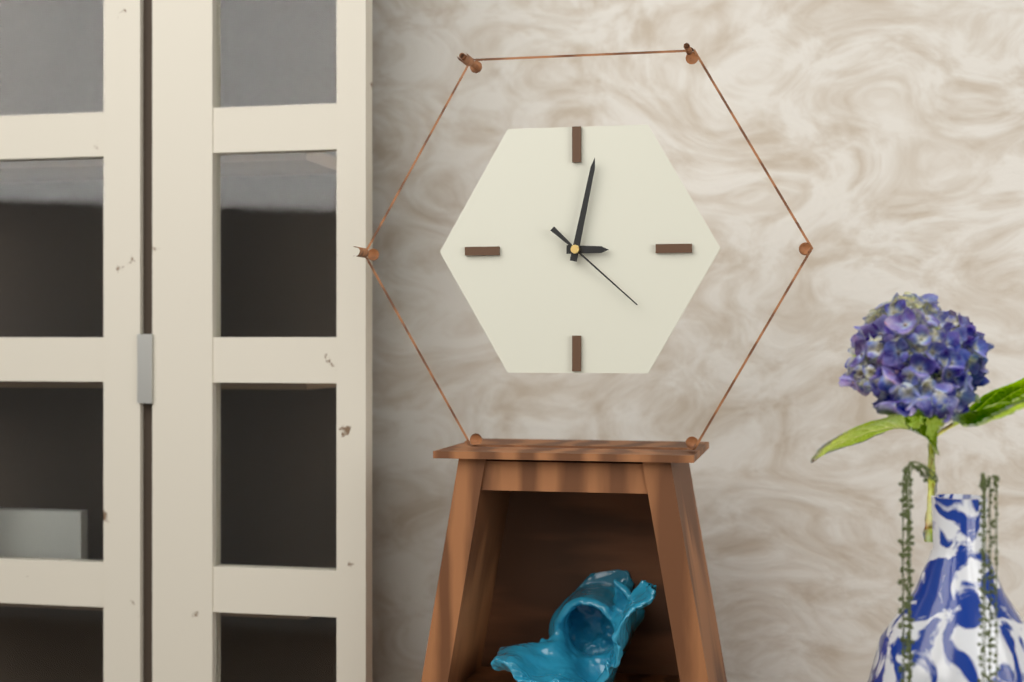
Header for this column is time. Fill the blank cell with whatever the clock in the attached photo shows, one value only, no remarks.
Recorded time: 3:02:22
